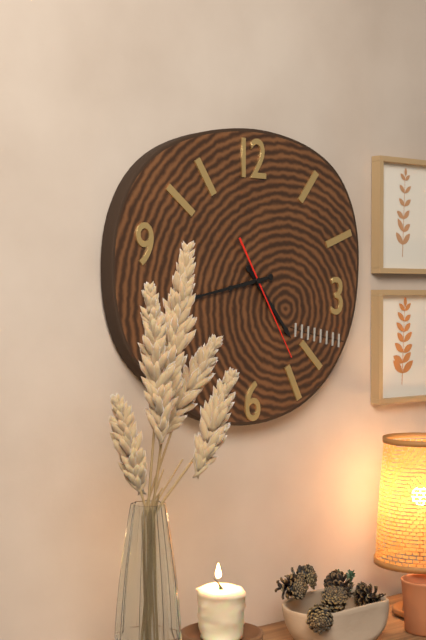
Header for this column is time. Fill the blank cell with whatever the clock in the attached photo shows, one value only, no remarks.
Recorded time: 4:43:25
